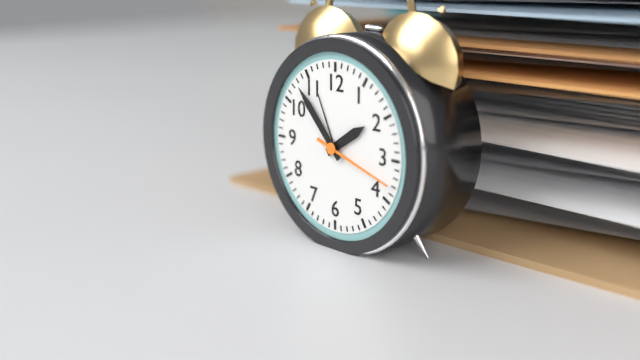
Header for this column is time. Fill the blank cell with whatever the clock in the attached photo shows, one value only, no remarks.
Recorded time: 1:53:18
